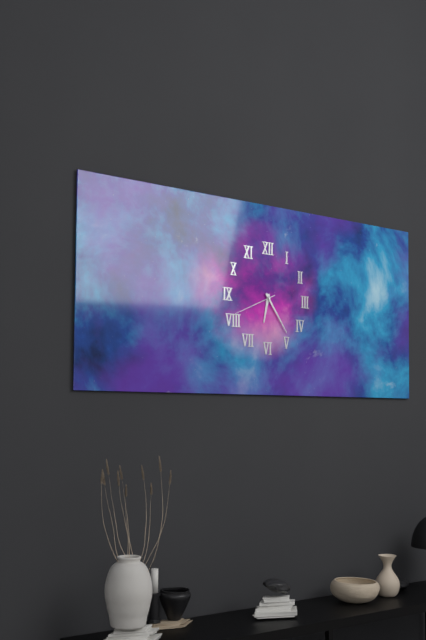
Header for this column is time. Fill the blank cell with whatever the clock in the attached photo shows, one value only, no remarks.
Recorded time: 6:24:41
